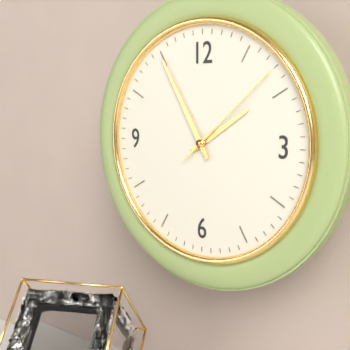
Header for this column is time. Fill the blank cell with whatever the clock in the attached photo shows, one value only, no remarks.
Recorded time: 1:55:08
